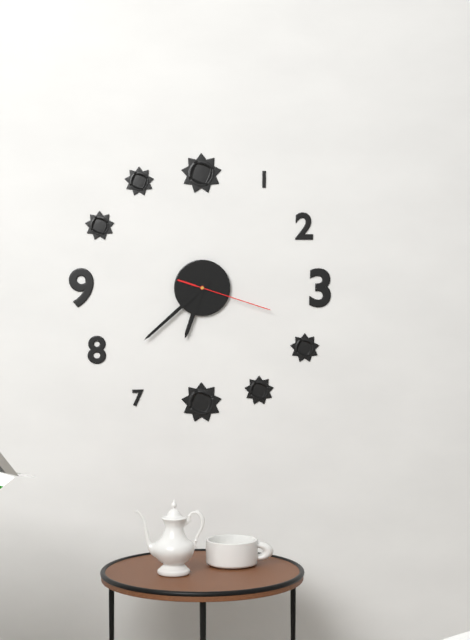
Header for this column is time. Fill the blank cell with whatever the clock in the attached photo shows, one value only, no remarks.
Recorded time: 6:38:18
